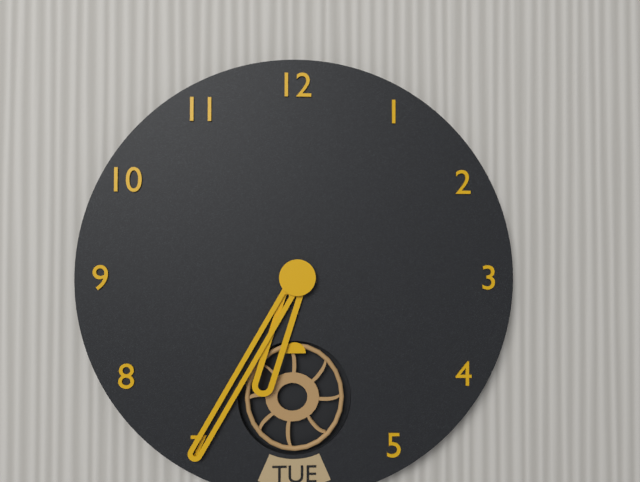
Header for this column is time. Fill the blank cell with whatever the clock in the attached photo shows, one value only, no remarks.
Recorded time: 6:35
